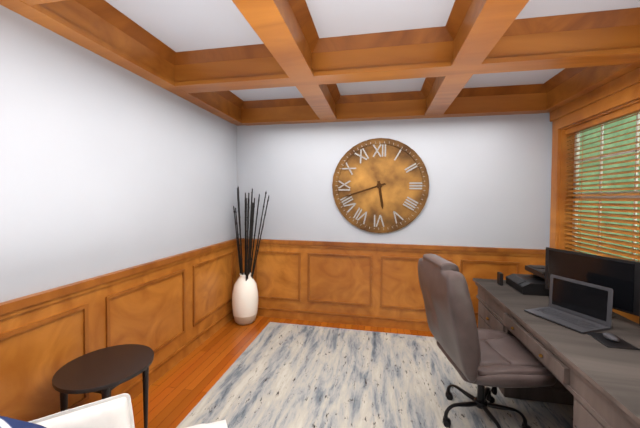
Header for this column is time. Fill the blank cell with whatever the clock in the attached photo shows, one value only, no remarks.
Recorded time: 5:42
